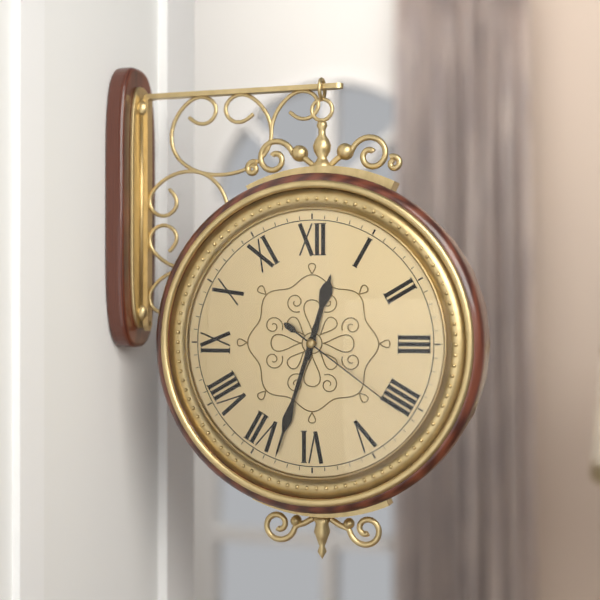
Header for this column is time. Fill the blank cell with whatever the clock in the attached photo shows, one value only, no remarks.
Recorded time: 12:33:21
